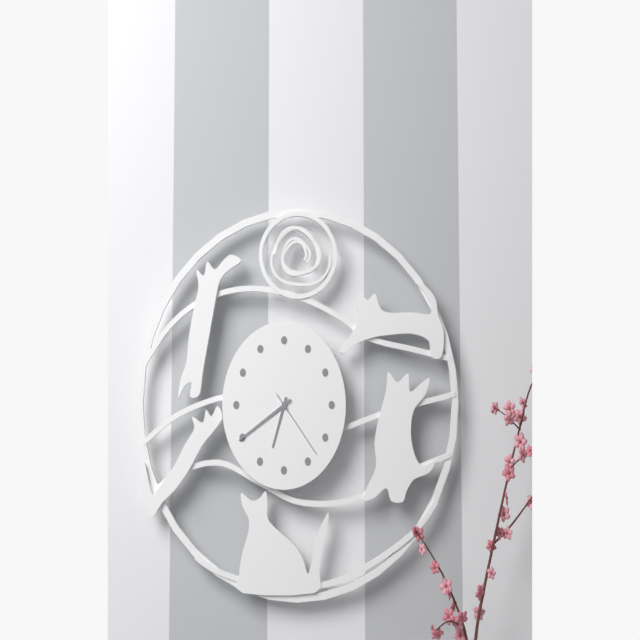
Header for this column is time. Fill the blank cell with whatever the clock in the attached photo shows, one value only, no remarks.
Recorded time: 6:40:23
